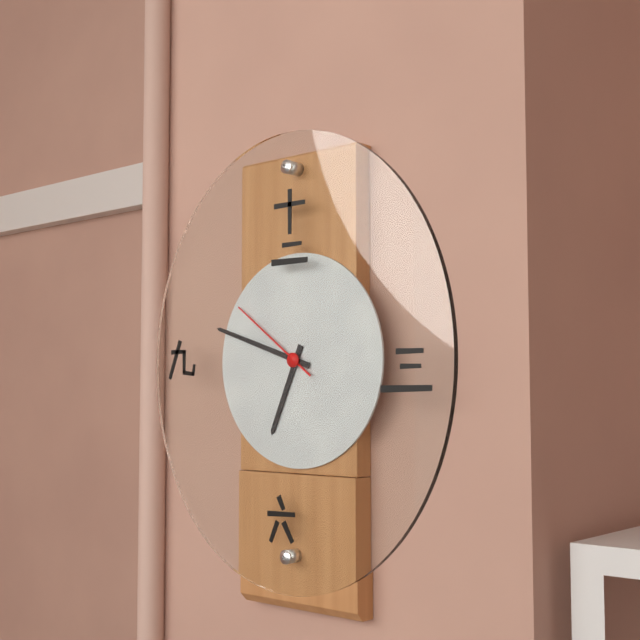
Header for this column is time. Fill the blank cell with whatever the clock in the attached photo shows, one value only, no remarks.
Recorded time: 6:48:51
